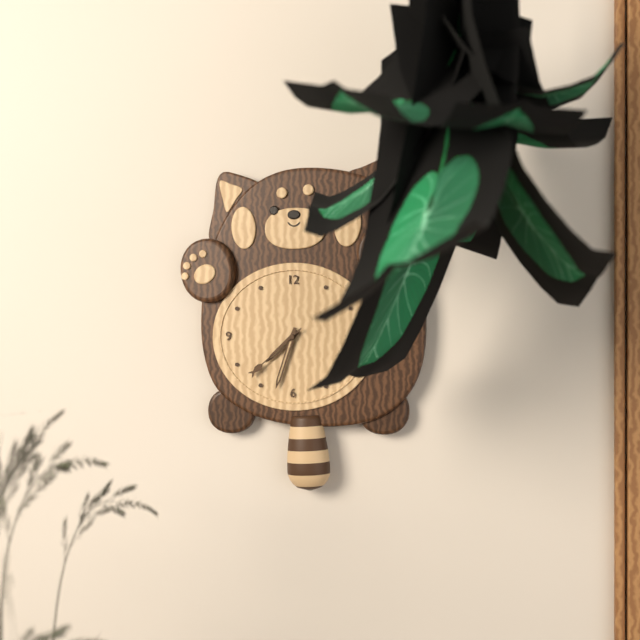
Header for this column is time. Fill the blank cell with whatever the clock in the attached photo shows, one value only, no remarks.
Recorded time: 7:33:38
